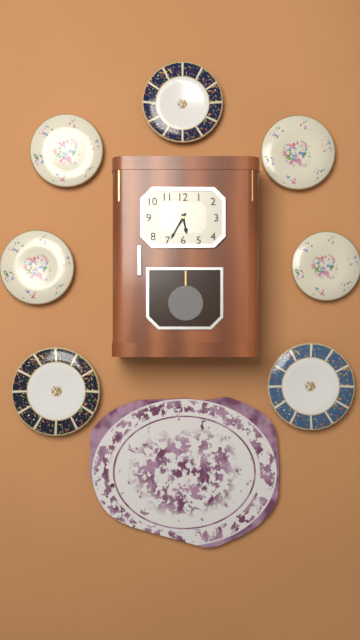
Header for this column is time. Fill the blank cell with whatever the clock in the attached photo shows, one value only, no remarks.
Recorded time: 5:35
